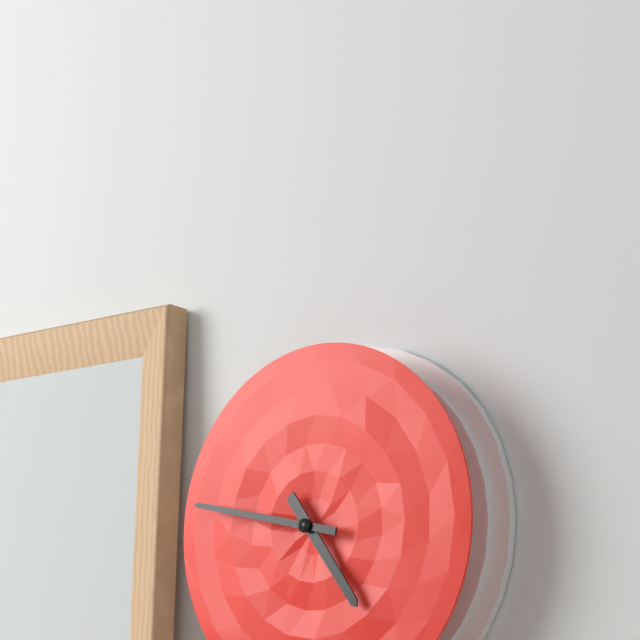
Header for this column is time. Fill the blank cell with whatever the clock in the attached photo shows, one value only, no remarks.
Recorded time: 4:47
